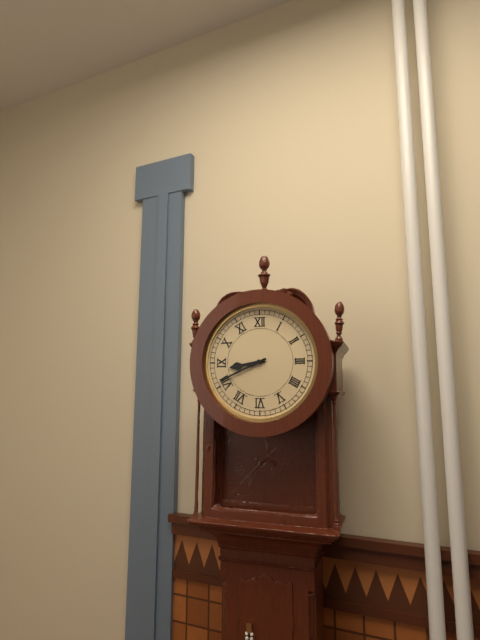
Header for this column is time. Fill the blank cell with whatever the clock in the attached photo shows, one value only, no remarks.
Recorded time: 8:41
